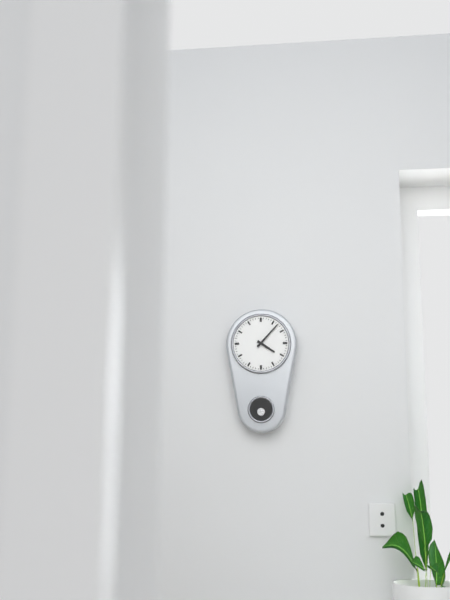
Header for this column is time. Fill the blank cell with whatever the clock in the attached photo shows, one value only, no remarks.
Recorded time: 4:07
